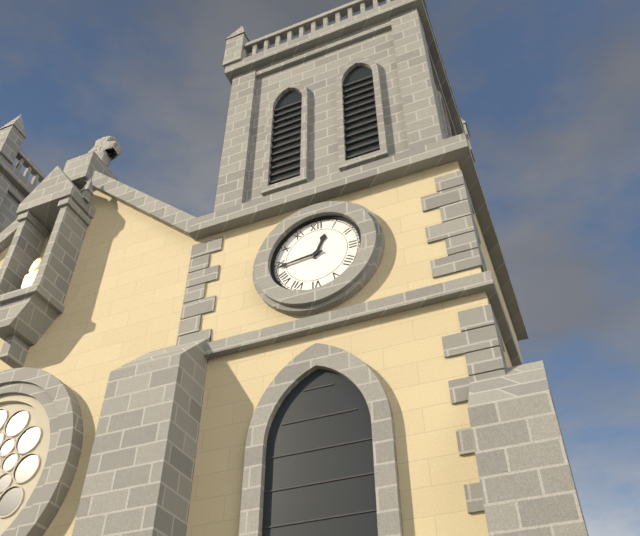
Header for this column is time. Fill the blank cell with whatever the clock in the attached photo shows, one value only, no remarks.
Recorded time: 12:44
